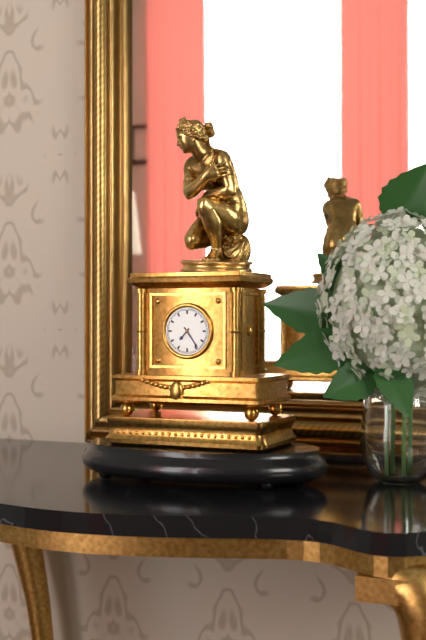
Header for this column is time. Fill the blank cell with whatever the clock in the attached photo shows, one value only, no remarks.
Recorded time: 7:24
